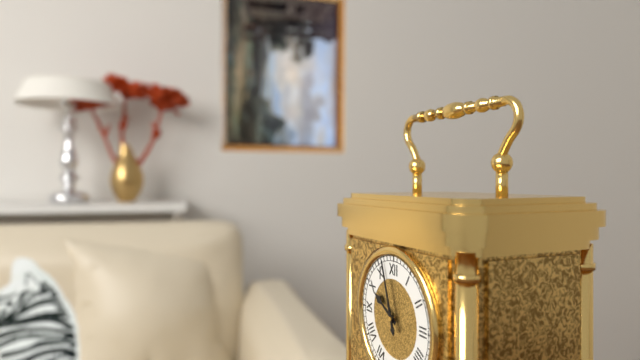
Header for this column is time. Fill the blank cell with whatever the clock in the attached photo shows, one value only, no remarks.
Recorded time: 9:57
